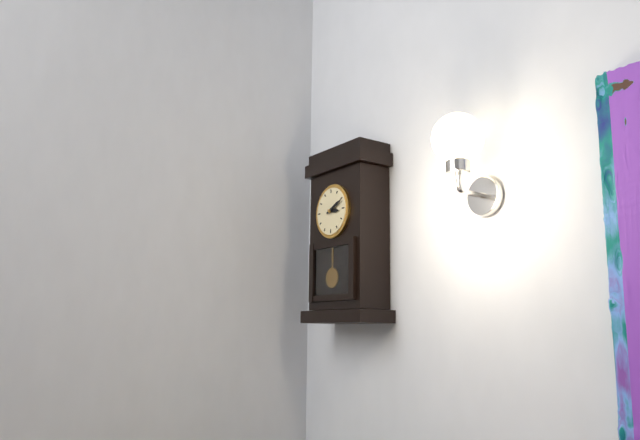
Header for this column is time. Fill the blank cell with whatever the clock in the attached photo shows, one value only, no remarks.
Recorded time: 3:11
